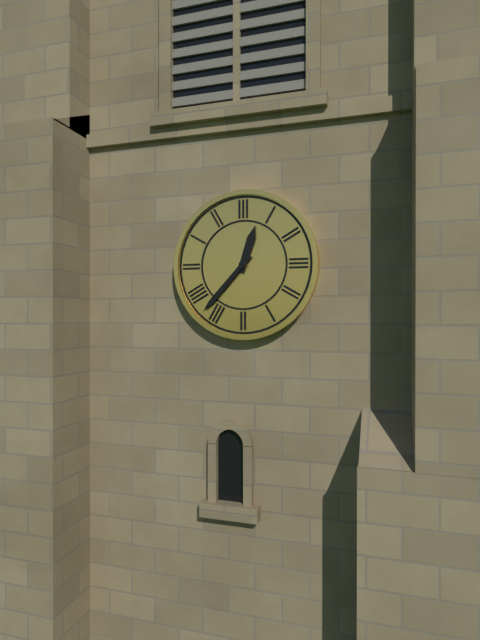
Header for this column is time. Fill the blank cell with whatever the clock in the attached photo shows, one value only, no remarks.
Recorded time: 12:37
